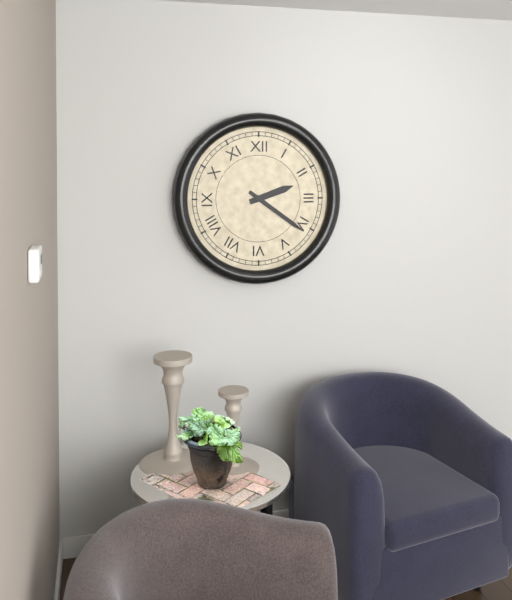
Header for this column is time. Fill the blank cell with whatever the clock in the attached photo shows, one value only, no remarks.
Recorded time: 2:21
